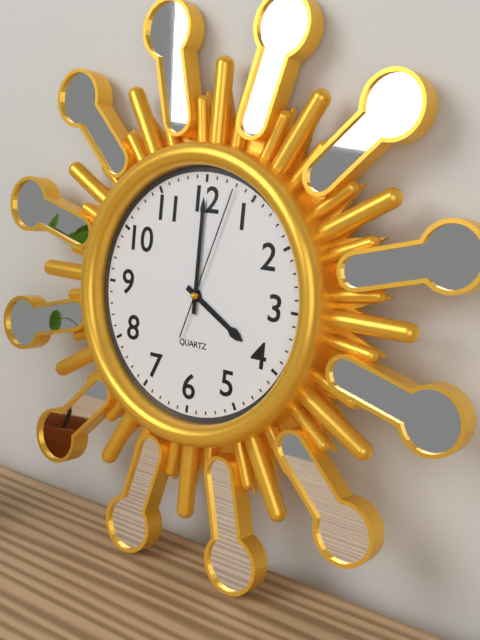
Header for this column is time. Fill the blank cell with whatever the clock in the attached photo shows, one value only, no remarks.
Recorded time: 4:00:03
